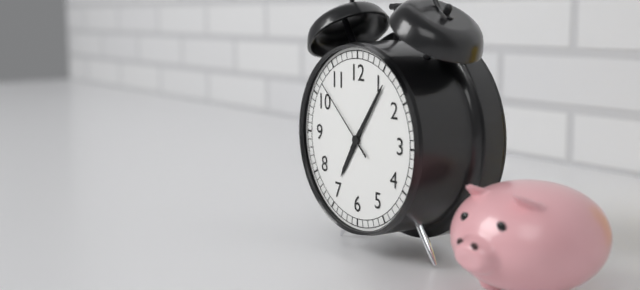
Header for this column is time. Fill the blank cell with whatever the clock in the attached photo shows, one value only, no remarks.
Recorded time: 7:06:52
